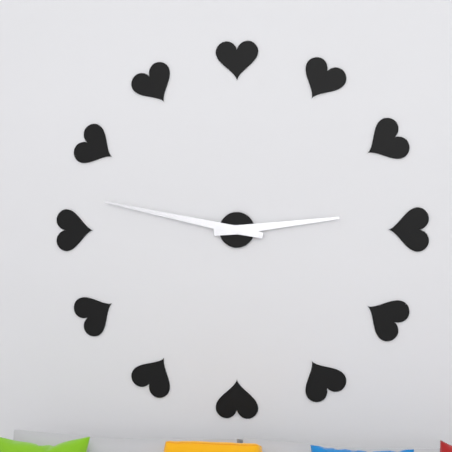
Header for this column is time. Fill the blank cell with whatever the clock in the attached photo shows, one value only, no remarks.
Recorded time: 2:47
